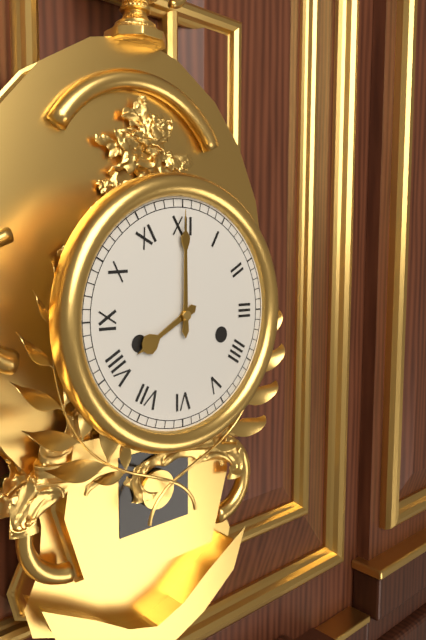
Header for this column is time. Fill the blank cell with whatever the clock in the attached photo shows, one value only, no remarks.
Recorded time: 8:00
